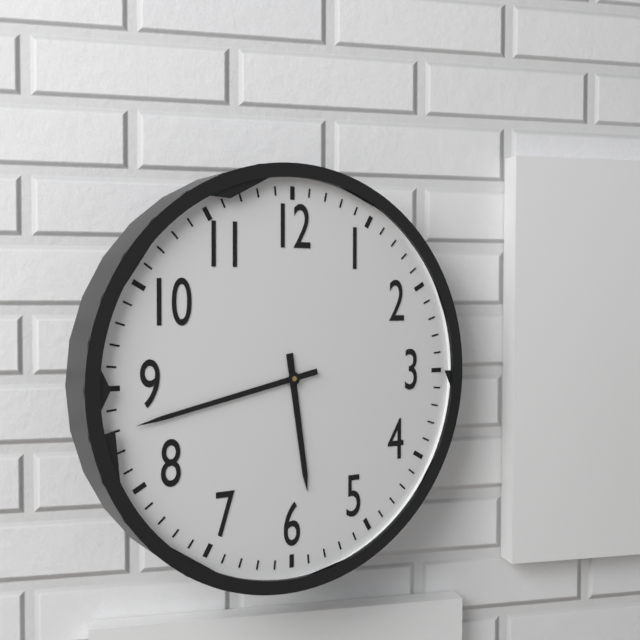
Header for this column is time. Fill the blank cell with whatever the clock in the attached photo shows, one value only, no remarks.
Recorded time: 5:43
